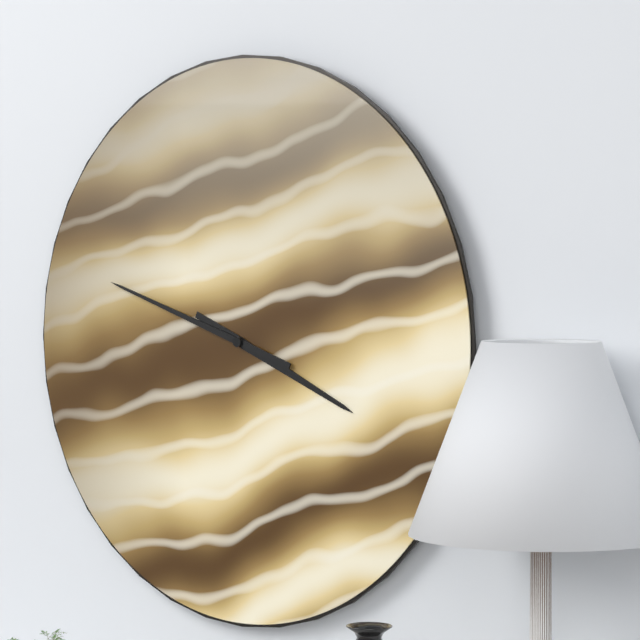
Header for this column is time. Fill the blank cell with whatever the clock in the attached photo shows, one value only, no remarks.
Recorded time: 3:48
